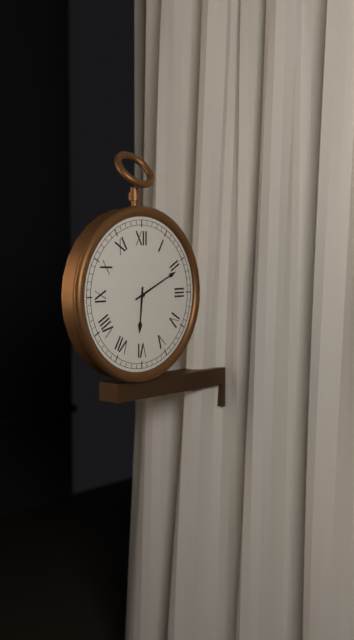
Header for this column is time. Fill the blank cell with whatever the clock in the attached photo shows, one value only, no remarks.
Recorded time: 6:11
